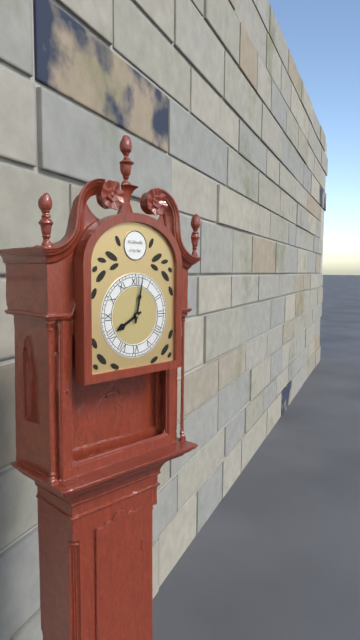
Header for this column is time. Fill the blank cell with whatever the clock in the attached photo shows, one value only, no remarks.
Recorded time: 8:02
